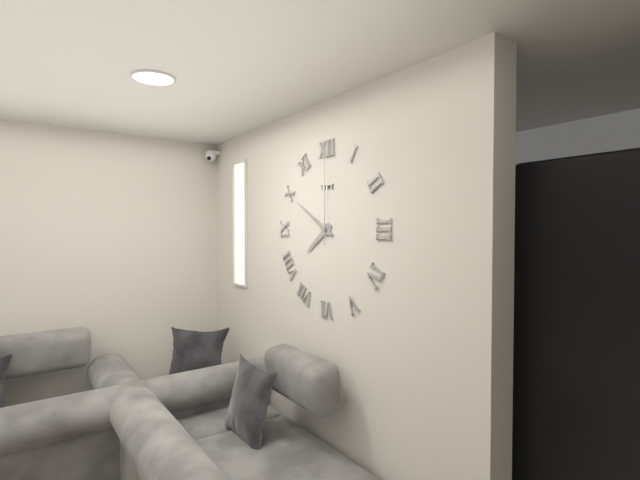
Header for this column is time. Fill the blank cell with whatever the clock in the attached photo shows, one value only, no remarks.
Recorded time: 7:50:00
